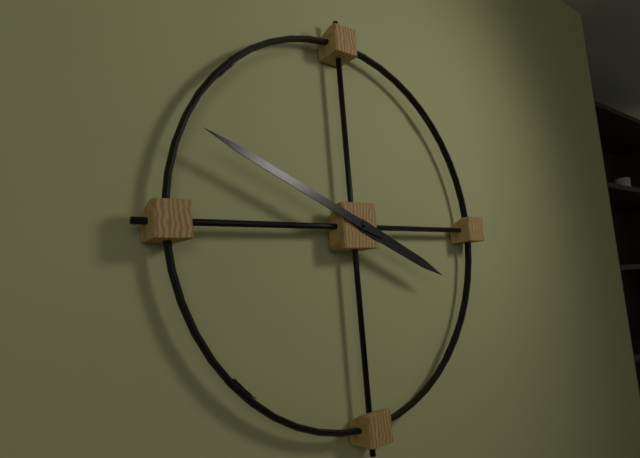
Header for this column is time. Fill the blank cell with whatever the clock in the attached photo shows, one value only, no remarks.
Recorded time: 3:49
